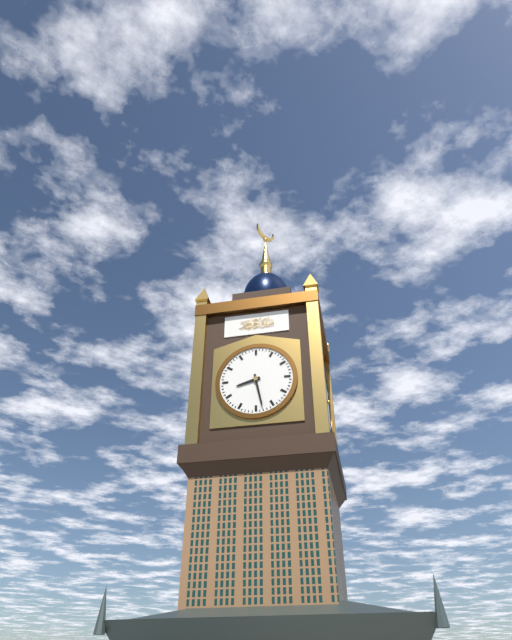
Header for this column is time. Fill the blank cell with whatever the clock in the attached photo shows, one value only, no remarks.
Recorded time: 8:28
